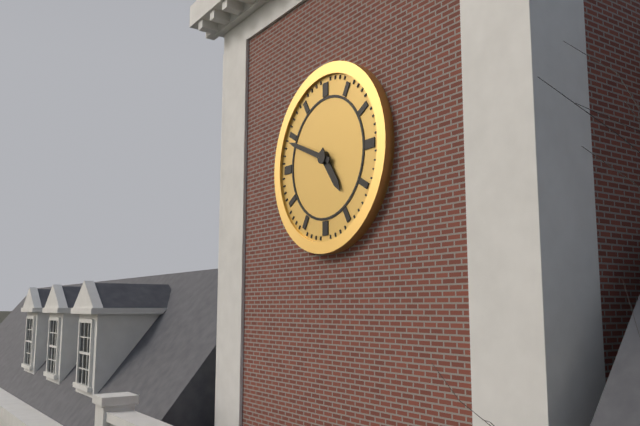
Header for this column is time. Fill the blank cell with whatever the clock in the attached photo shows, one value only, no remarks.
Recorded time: 4:49
